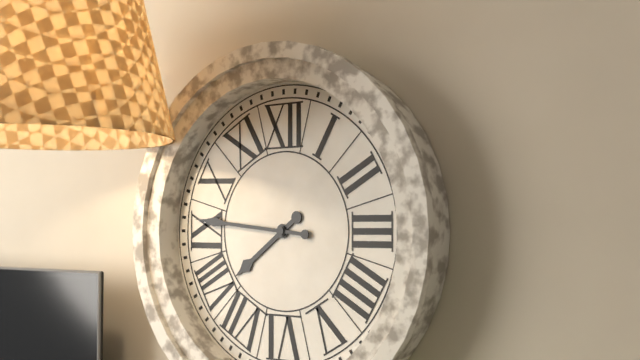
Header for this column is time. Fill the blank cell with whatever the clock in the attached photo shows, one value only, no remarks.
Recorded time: 7:46
